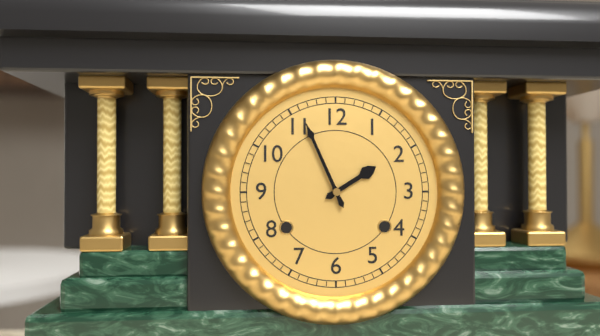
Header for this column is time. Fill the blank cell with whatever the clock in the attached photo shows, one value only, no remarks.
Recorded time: 1:56
